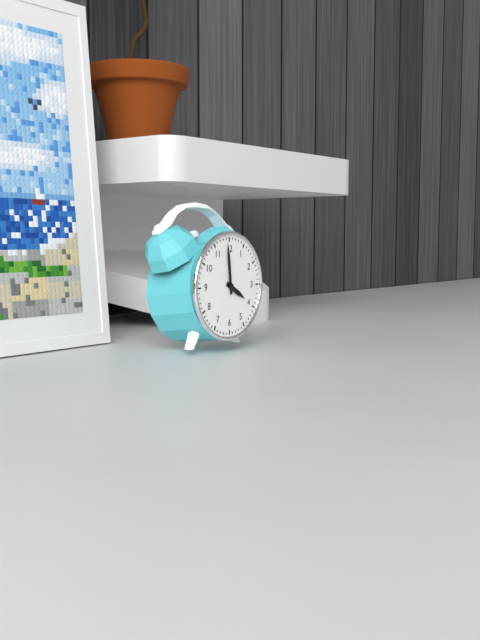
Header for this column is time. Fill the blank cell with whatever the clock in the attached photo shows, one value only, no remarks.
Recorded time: 3:59
